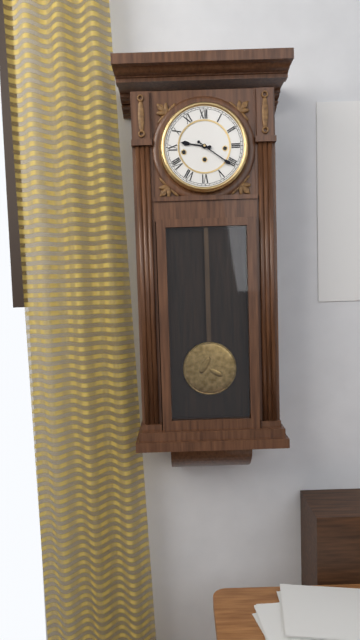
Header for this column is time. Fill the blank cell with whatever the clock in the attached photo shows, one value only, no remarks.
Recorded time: 9:21
